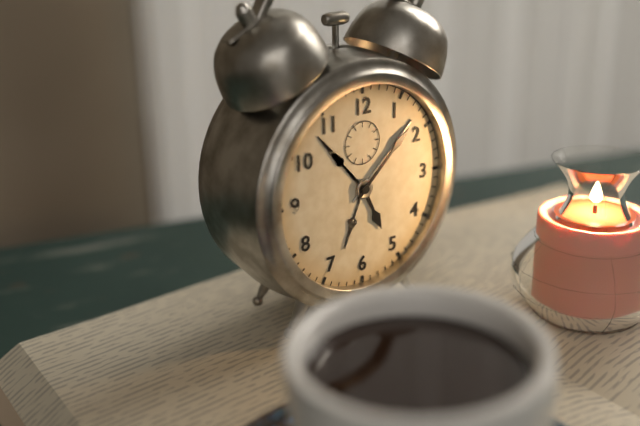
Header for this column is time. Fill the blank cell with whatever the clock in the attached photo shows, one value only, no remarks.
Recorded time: 5:08
